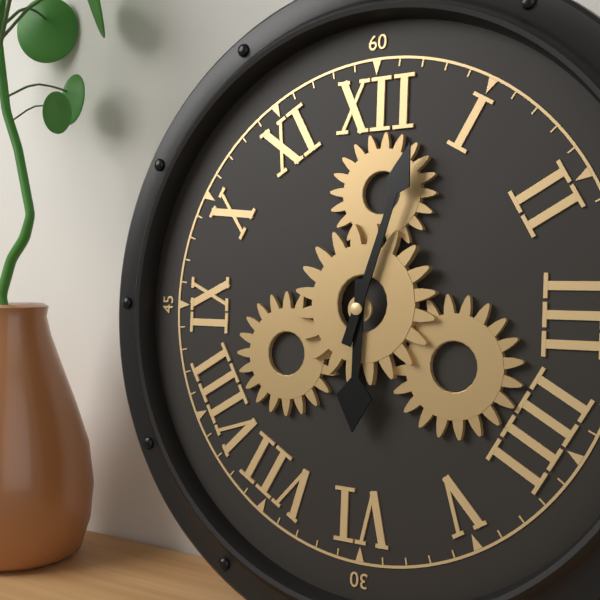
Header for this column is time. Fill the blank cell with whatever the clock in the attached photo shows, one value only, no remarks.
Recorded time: 6:03
